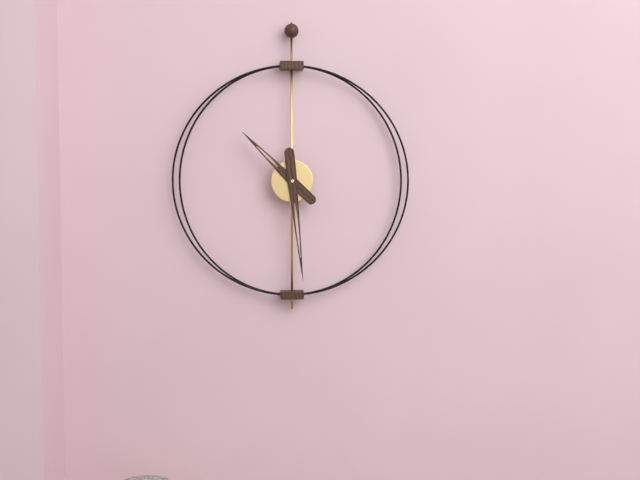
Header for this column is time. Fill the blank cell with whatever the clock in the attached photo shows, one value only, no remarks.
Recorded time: 10:29
